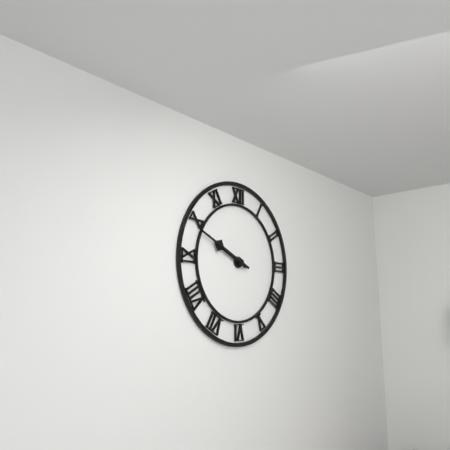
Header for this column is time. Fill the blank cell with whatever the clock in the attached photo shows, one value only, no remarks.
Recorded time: 9:49
